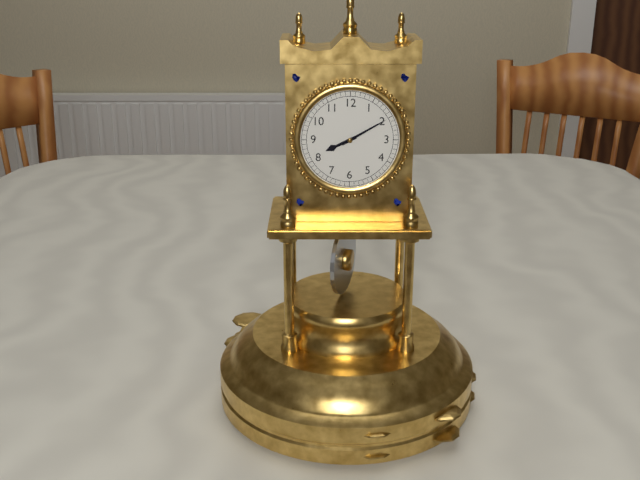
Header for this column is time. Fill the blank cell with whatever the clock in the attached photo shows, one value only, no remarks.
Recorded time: 8:10
